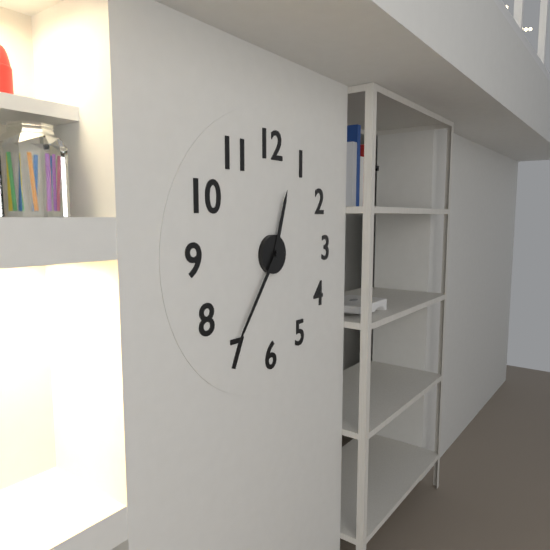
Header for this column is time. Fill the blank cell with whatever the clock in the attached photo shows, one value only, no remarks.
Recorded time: 12:36
